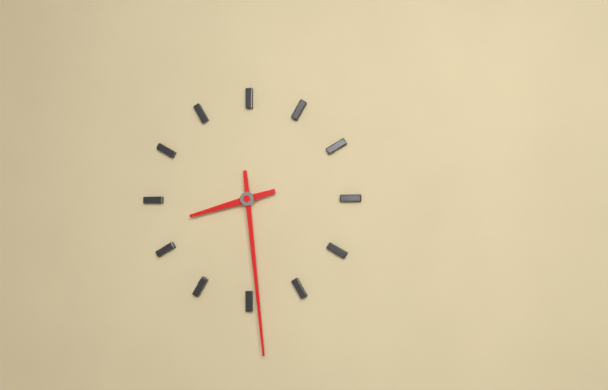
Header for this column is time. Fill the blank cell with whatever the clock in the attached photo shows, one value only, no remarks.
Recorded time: 8:29
